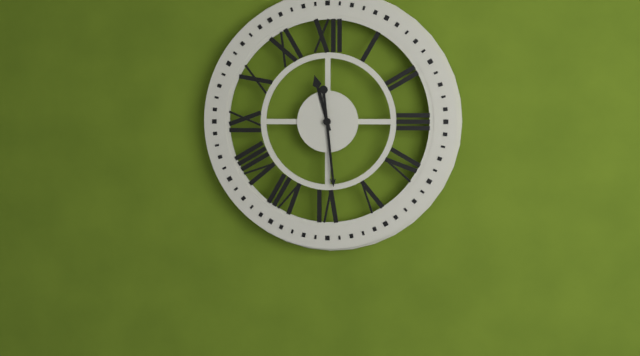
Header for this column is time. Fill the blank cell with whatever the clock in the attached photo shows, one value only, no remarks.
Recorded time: 11:29
